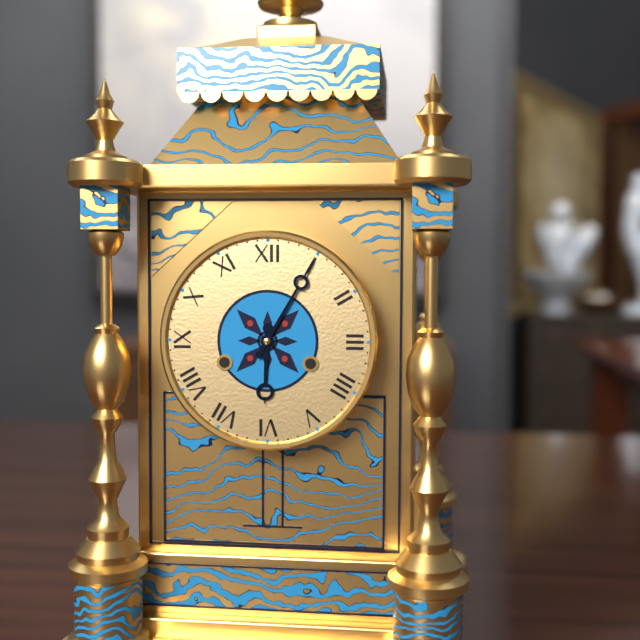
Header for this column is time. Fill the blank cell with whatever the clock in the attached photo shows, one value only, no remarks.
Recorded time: 6:05
